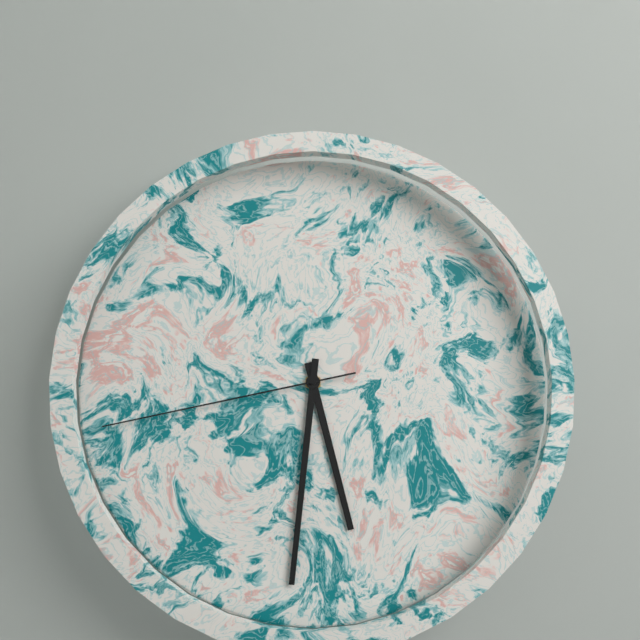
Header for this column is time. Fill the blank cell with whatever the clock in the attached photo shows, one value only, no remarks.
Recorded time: 5:31:43
